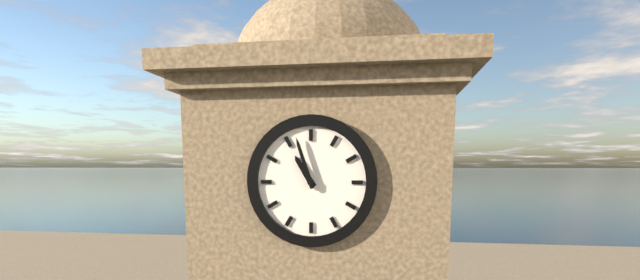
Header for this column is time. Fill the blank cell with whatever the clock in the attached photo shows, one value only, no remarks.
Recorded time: 10:57
